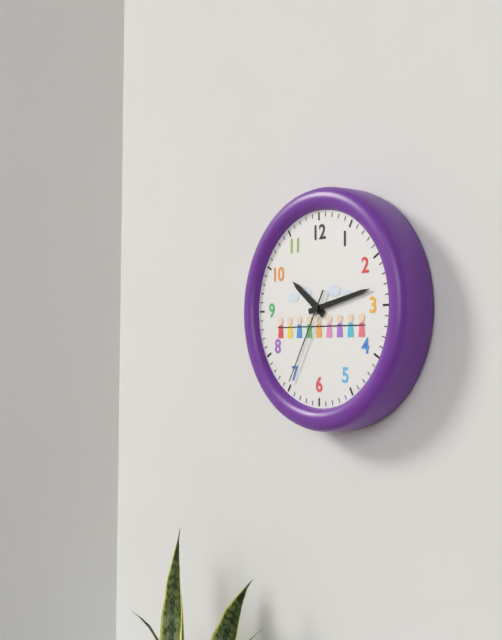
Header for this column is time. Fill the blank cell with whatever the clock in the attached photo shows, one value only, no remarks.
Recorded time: 10:13:35
